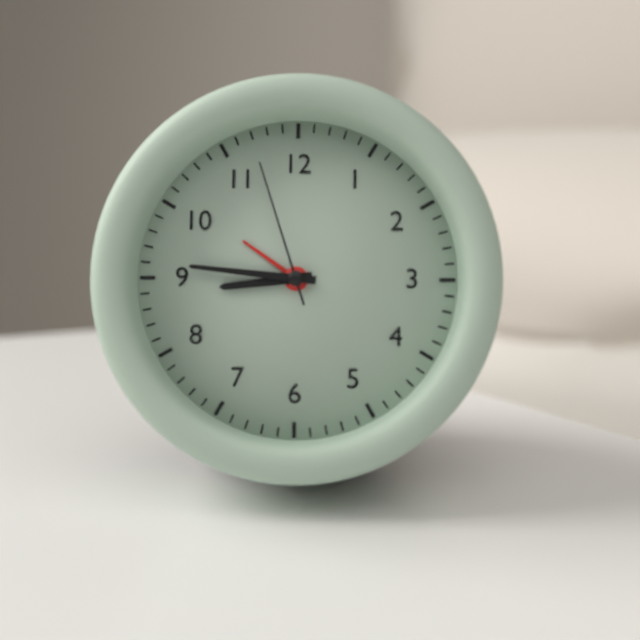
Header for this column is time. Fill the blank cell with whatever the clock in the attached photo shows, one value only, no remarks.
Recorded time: 8:46:57
